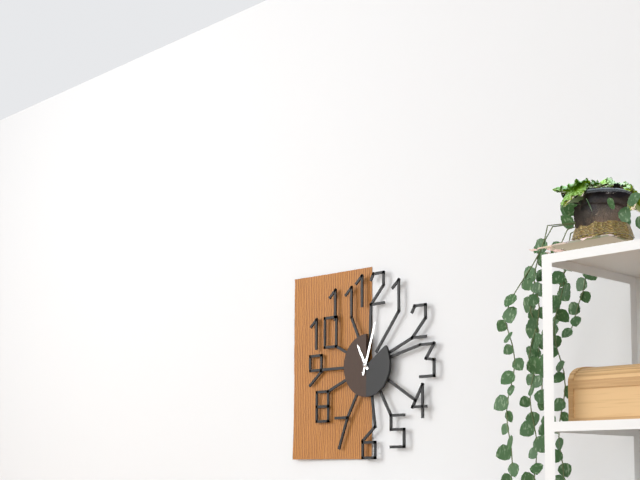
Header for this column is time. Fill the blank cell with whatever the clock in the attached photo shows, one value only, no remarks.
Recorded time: 11:03
